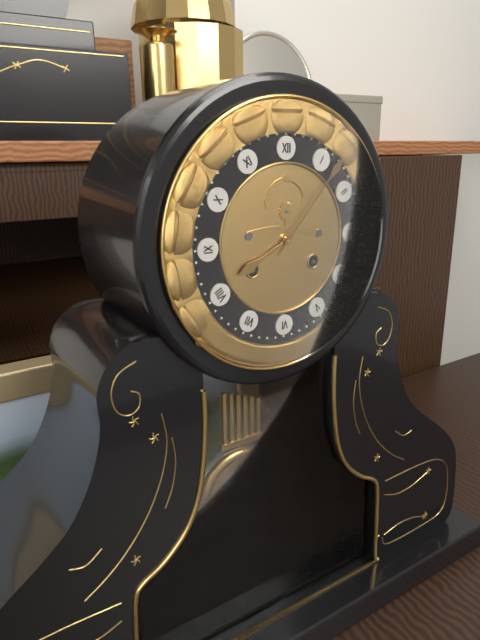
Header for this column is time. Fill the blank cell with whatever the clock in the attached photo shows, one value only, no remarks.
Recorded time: 8:07
